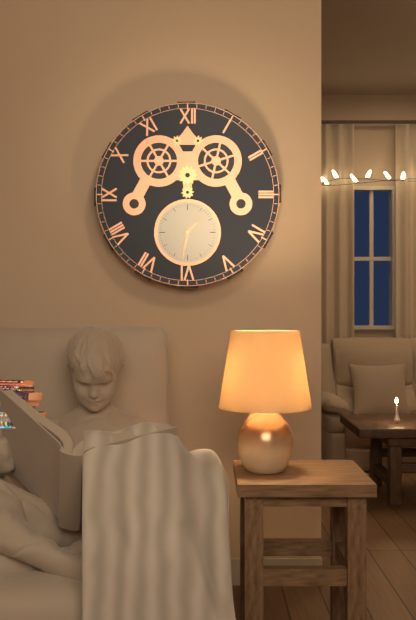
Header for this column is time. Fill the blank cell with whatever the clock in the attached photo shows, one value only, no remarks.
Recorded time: 1:32
